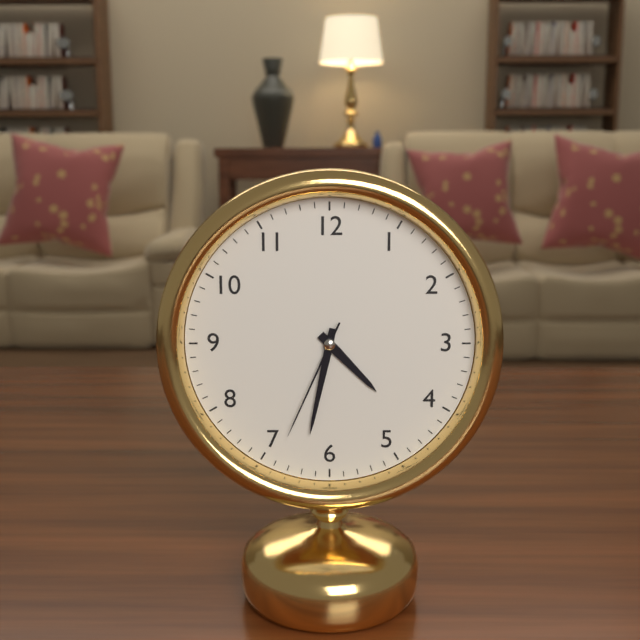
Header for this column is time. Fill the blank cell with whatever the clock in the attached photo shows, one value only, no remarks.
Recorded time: 4:32:34
